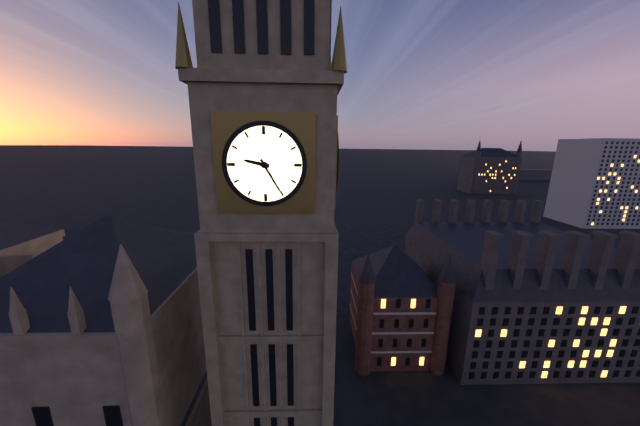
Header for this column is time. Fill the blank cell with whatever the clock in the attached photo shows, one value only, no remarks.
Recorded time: 9:25
